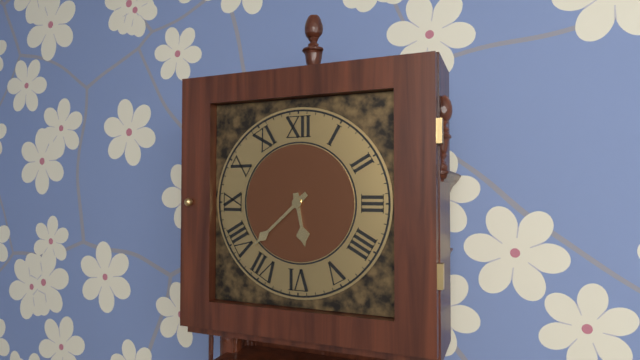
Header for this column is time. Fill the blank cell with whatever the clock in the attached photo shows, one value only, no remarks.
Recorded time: 5:38
